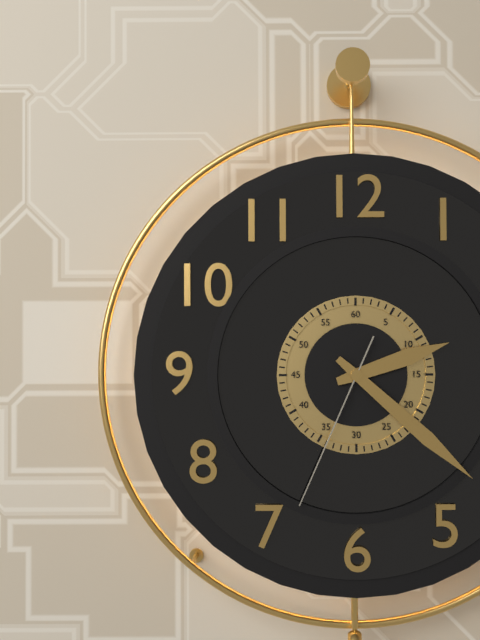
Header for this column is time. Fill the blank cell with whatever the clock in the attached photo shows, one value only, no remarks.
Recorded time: 2:22:34
